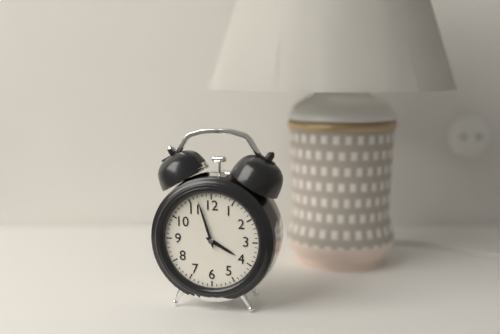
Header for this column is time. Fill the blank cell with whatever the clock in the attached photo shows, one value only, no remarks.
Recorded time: 3:57
